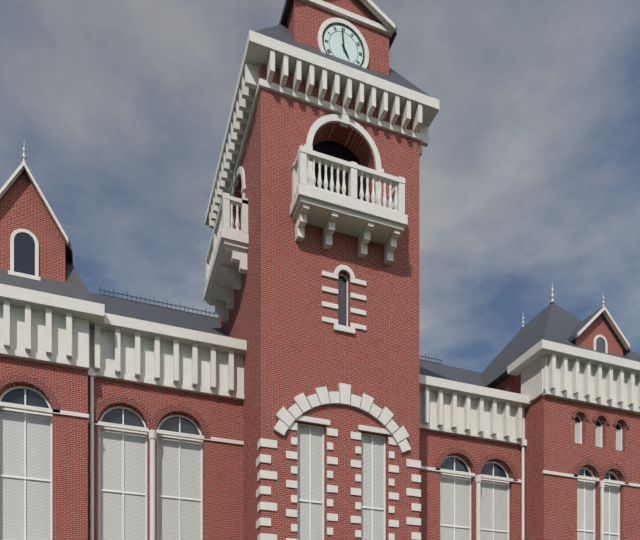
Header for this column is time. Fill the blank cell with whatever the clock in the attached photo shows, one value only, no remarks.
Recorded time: 4:59
